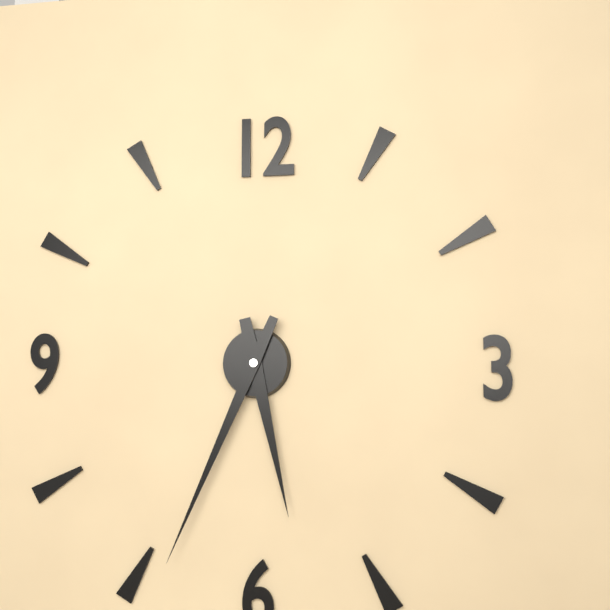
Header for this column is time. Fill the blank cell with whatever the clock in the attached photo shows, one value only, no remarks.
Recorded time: 5:34
